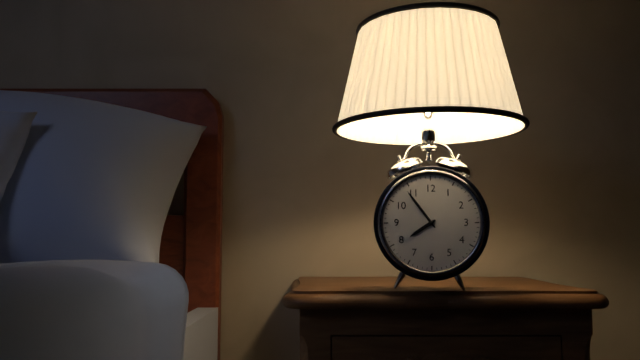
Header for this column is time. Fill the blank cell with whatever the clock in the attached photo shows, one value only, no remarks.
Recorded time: 7:54
